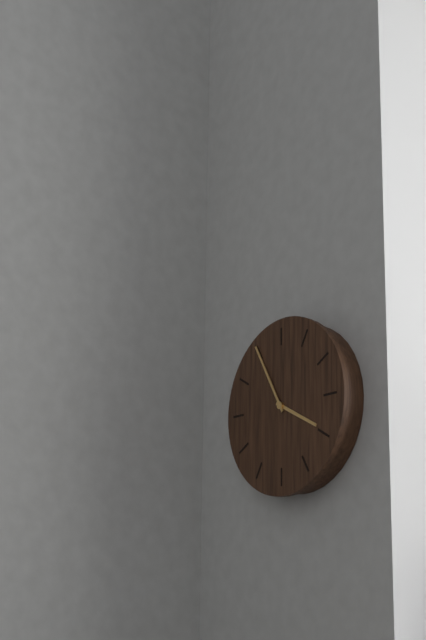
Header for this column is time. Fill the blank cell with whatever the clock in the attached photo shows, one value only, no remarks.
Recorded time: 3:55
